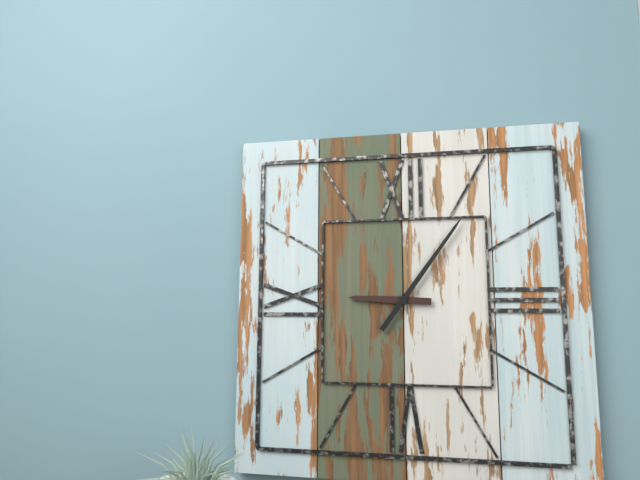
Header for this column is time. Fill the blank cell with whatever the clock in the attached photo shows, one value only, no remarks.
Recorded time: 9:06
